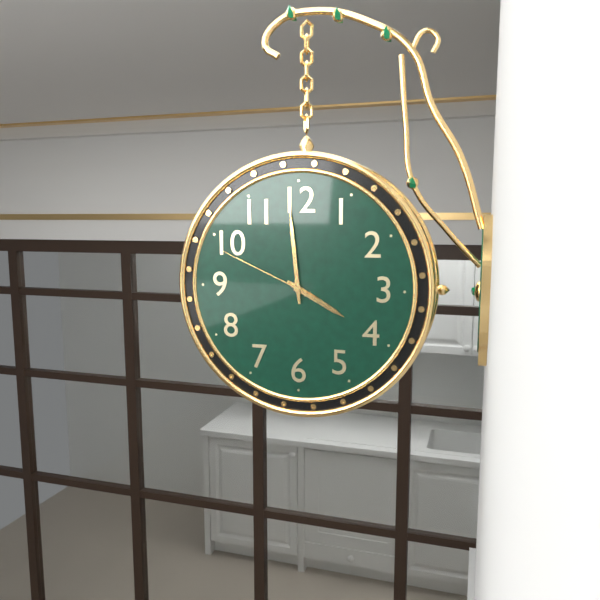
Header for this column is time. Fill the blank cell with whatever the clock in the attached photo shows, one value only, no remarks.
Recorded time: 3:59:49
